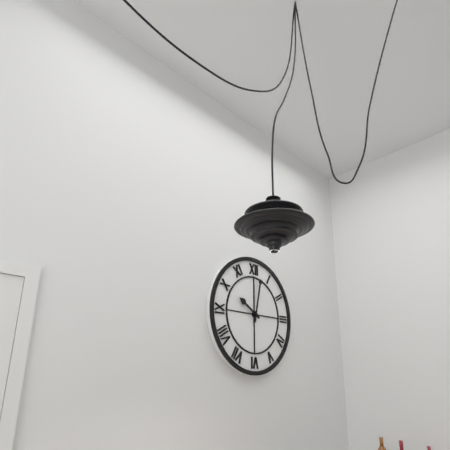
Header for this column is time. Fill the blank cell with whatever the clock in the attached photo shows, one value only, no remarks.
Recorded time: 10:02
